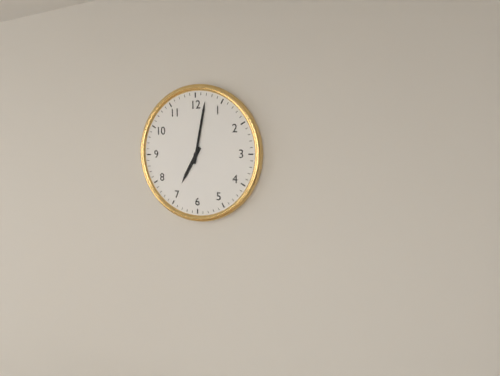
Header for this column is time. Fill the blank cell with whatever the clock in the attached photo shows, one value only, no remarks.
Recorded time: 7:02
